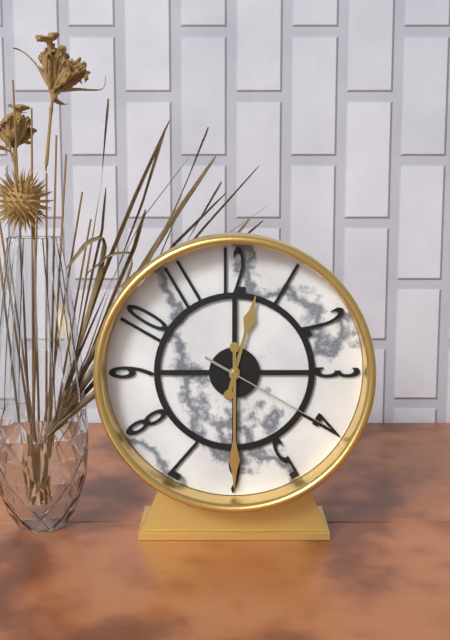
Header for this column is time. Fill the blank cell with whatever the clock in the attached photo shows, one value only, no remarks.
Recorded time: 12:30:20
